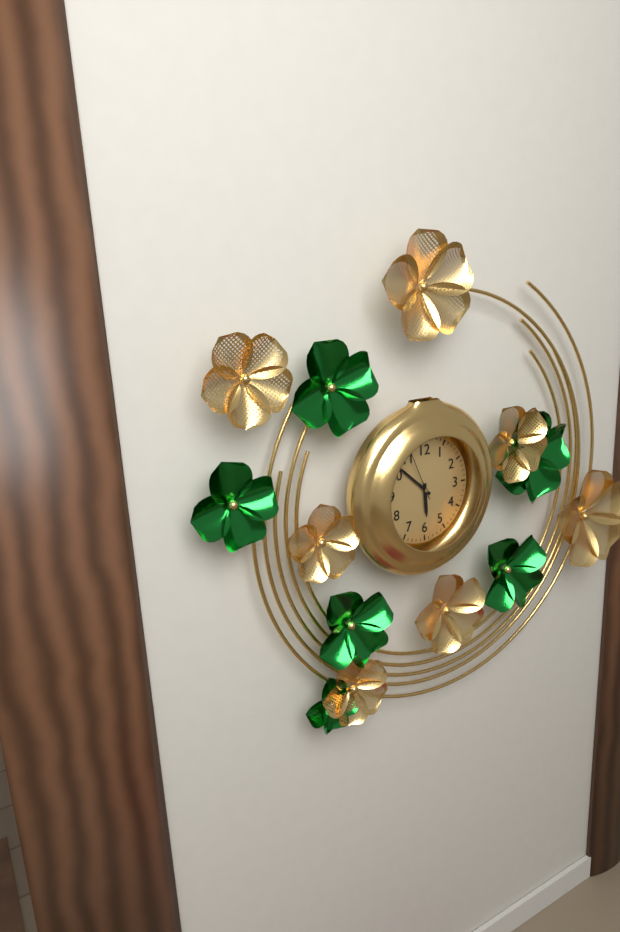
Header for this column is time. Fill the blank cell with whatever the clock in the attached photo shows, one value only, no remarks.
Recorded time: 5:52:56
